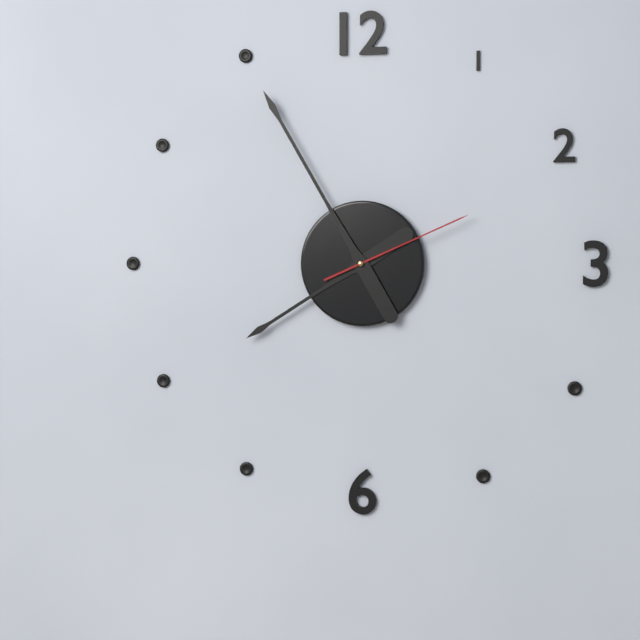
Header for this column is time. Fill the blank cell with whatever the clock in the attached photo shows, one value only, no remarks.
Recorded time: 7:55:11
